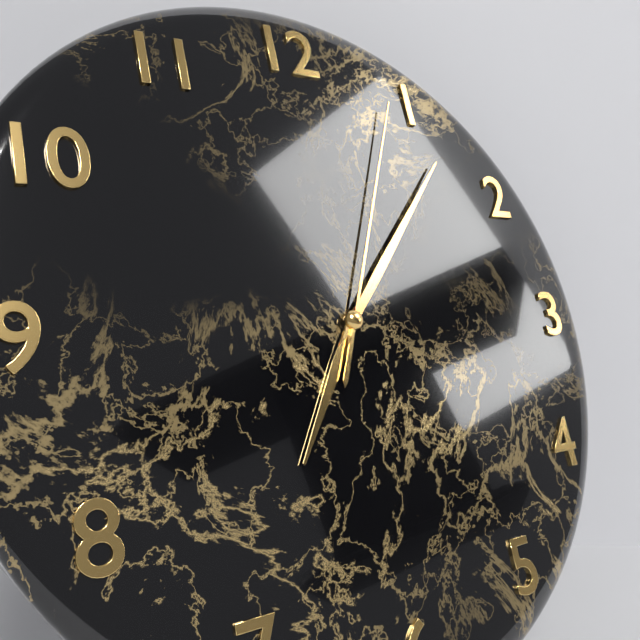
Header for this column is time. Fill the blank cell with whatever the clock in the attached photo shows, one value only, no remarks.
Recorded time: 7:07:04
